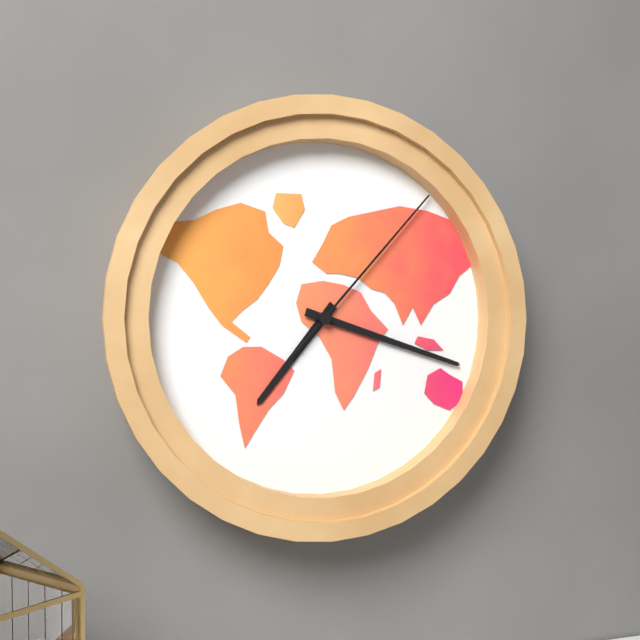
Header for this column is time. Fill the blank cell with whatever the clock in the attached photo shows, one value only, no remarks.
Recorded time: 7:18:07
